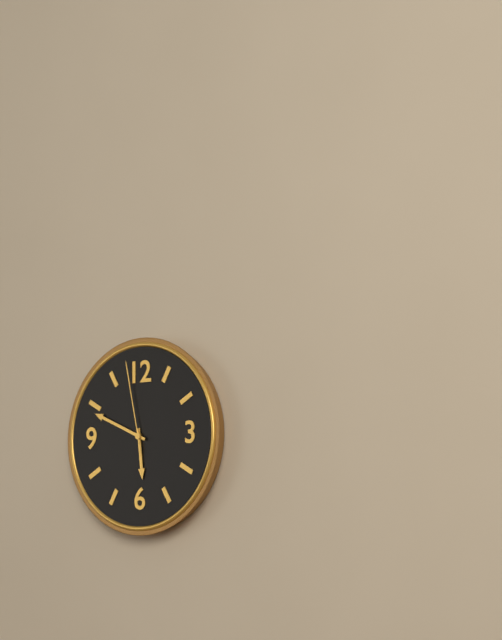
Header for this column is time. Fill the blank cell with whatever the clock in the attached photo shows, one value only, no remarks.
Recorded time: 5:49:58
